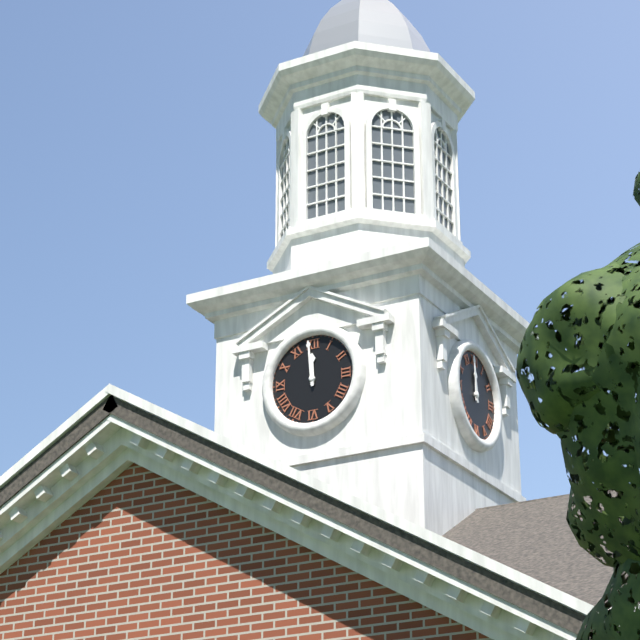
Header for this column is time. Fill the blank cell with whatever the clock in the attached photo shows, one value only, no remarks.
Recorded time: 11:59
